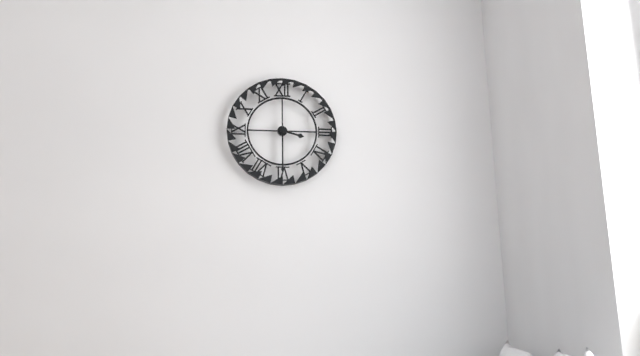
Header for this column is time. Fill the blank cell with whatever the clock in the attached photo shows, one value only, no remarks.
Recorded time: 3:30
